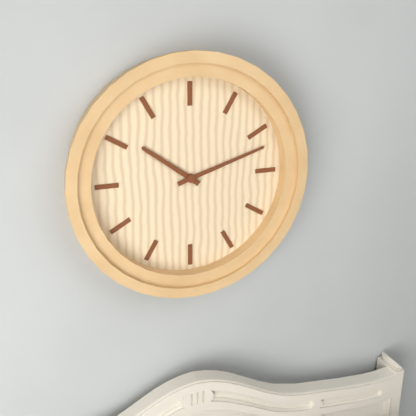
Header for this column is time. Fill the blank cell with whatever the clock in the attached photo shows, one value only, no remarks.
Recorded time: 10:12
